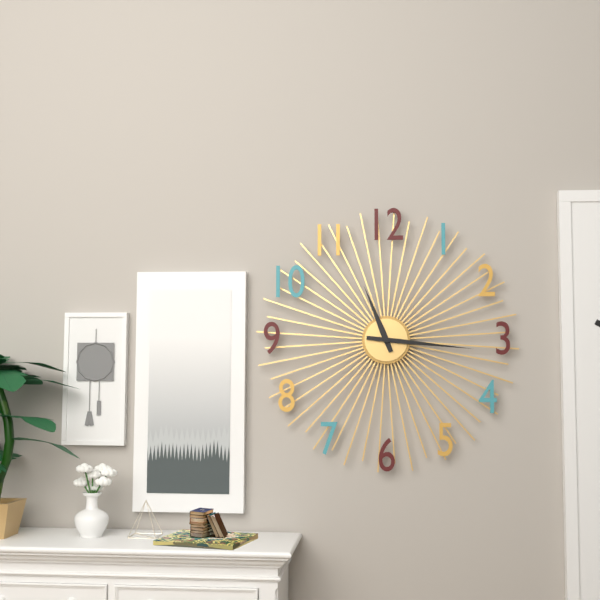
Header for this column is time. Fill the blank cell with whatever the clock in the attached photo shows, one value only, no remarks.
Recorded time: 11:16
